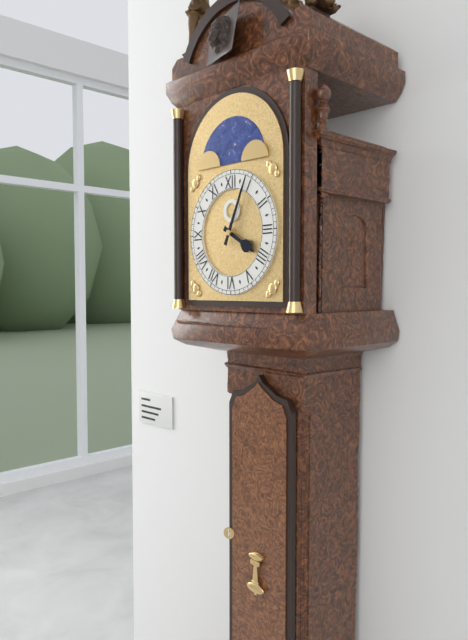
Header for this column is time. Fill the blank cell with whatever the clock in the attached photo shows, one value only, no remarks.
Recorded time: 4:04
